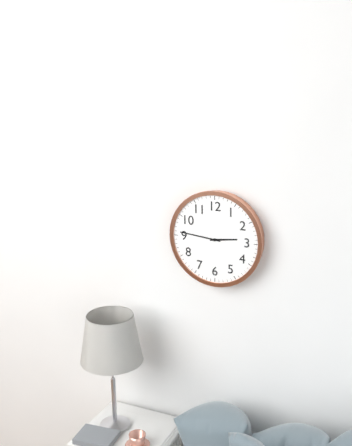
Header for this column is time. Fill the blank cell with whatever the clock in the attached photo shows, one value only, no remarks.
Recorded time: 2:46
